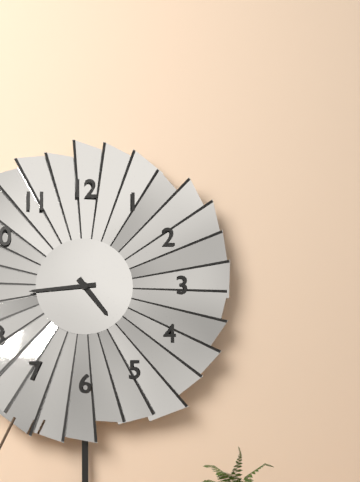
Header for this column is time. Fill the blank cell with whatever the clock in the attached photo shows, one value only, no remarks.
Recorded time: 4:44
